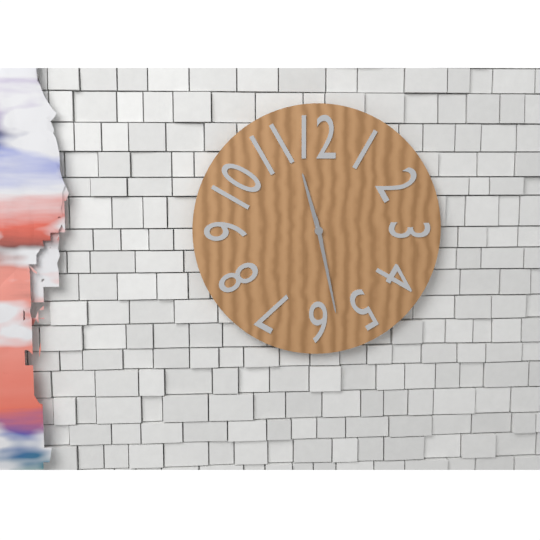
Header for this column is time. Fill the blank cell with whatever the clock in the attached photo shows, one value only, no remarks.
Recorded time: 11:28
